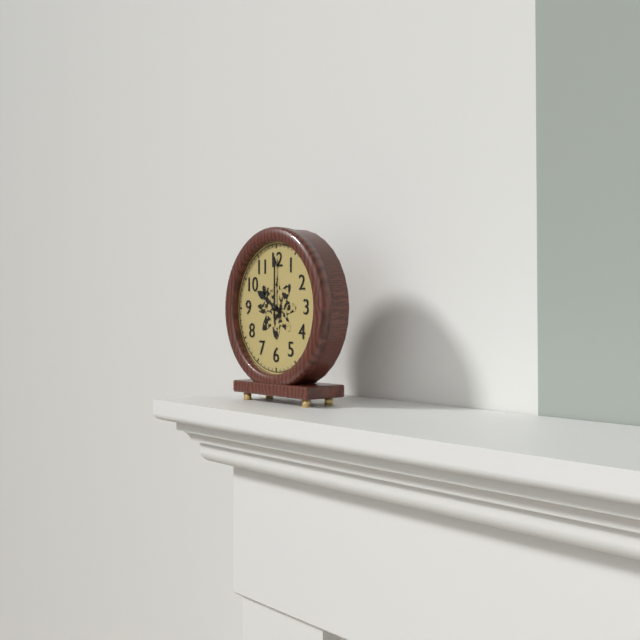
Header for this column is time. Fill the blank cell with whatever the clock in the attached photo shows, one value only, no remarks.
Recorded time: 10:00
